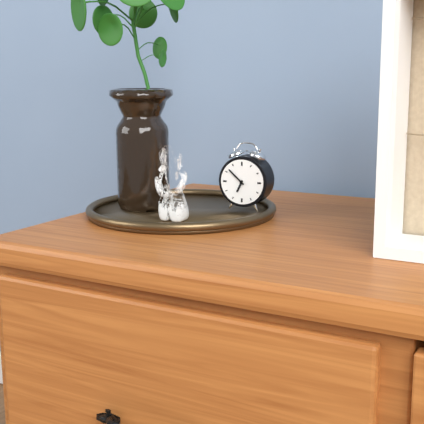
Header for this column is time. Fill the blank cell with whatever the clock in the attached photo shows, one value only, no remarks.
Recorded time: 6:52
